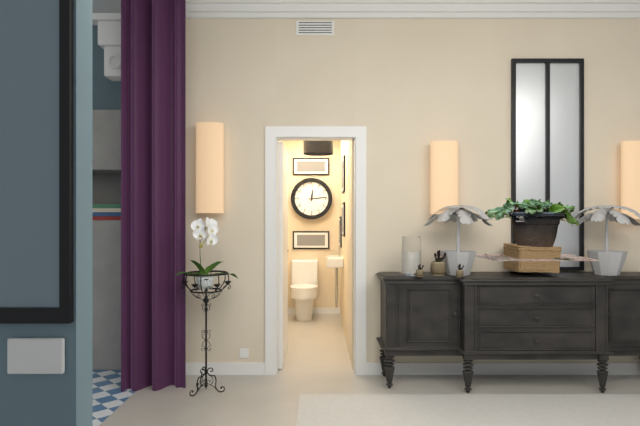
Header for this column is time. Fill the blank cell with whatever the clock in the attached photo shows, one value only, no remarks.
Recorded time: 12:14
